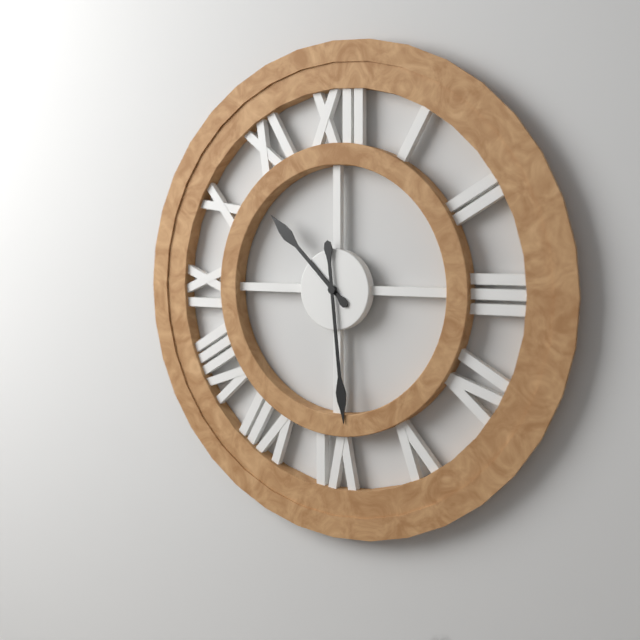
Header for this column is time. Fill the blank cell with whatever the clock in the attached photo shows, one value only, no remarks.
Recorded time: 10:29
